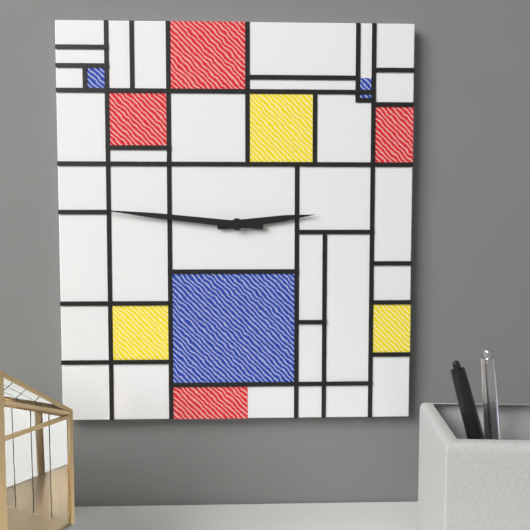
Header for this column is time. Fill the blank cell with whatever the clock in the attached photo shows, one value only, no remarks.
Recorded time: 2:46
